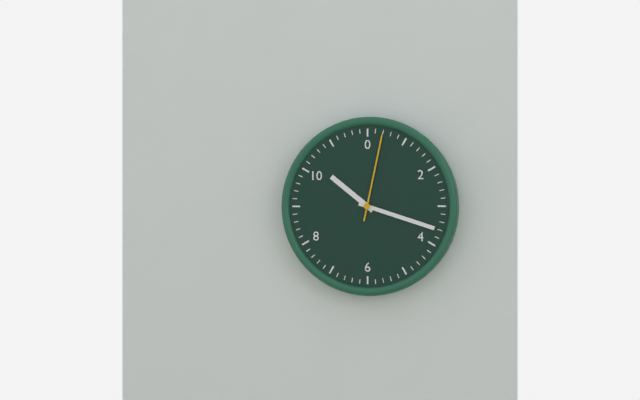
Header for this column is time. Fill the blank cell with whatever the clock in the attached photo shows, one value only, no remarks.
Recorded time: 10:18:02
